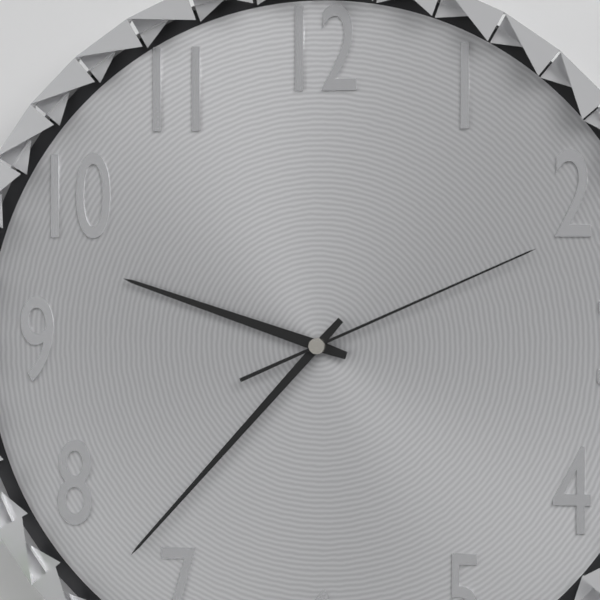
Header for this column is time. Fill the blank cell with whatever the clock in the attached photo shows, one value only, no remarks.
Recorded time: 9:37:11
